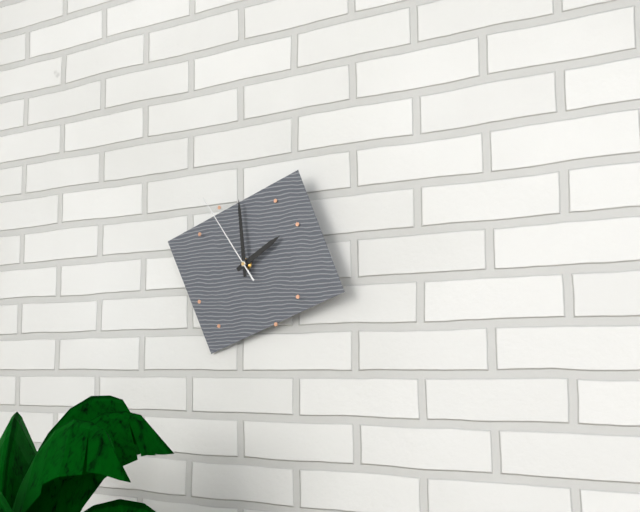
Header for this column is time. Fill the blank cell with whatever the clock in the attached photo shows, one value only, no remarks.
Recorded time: 1:59:54
